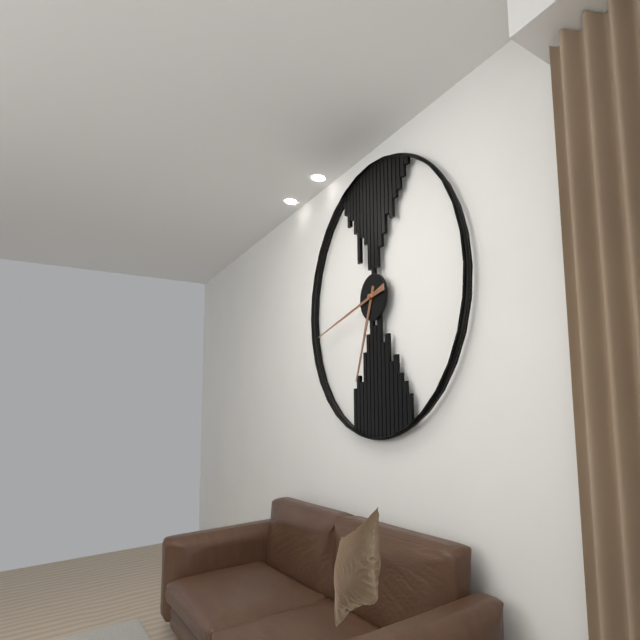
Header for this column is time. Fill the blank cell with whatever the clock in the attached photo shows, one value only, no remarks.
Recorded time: 6:43
